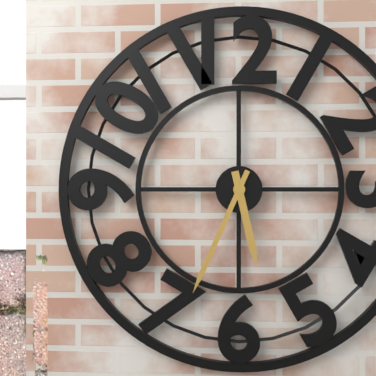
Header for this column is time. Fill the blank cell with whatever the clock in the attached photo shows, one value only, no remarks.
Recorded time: 5:34
